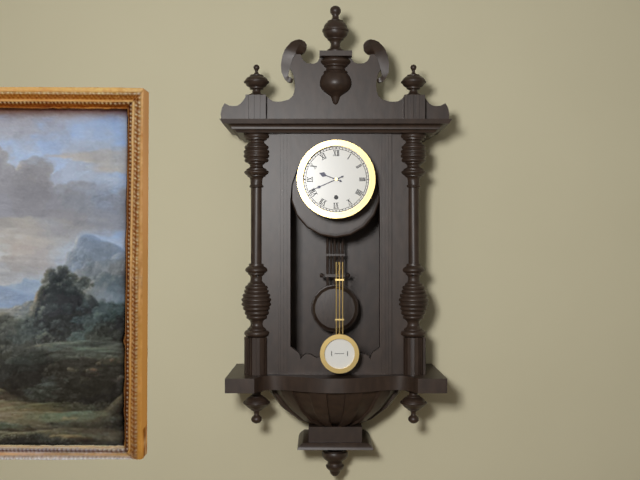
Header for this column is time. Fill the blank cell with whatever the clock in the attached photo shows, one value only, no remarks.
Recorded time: 9:41
